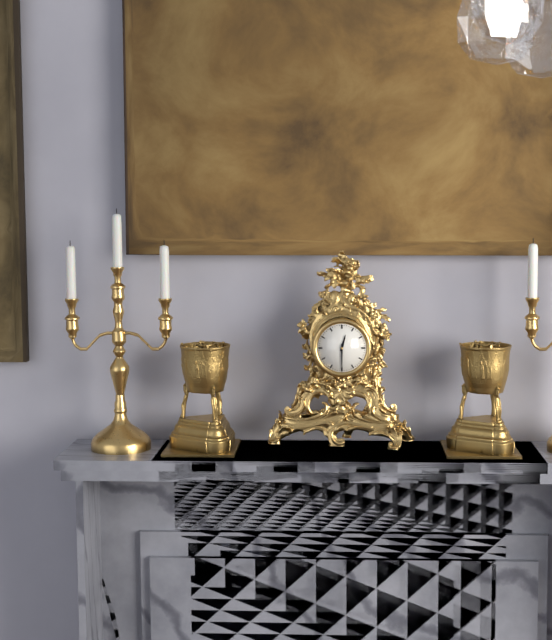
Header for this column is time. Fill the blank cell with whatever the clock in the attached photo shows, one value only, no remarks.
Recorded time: 12:30
